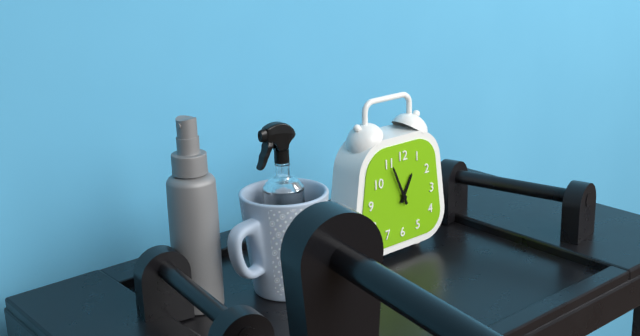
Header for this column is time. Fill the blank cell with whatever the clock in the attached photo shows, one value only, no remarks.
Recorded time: 12:56
